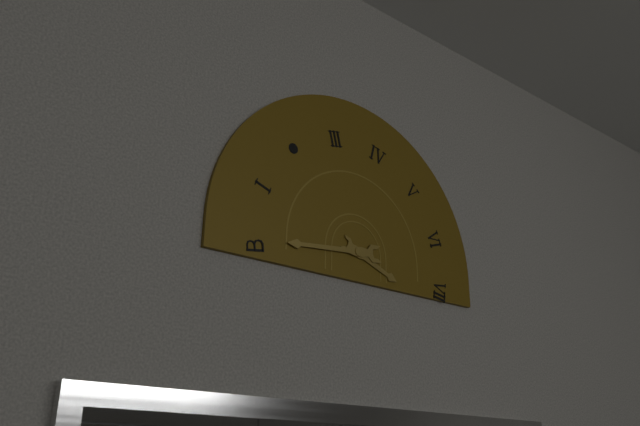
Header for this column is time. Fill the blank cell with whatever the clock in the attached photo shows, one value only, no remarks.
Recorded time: 3:44
